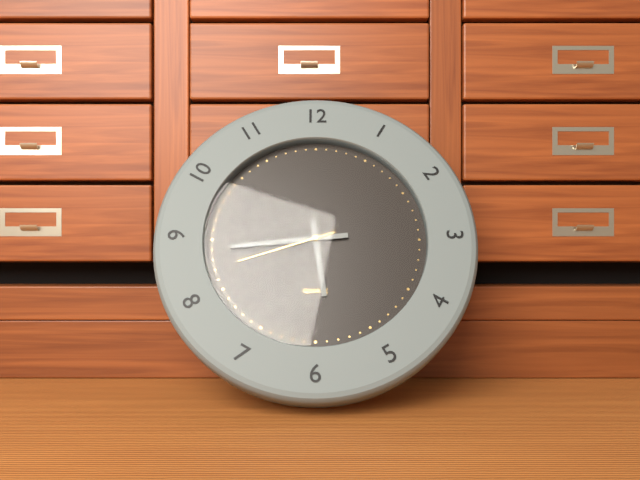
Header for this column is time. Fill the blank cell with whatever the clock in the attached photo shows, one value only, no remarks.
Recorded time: 5:44:42
